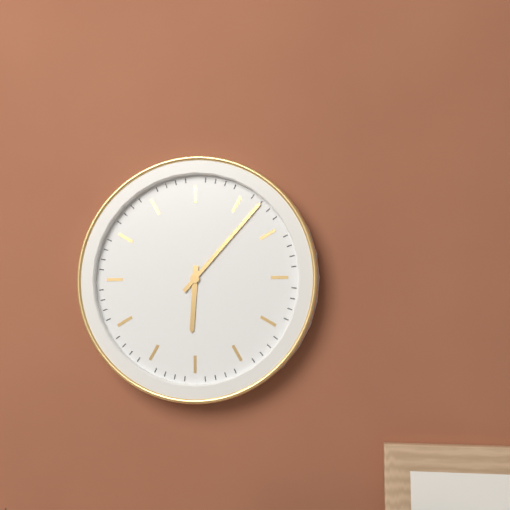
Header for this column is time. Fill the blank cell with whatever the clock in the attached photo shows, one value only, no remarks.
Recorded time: 6:07
